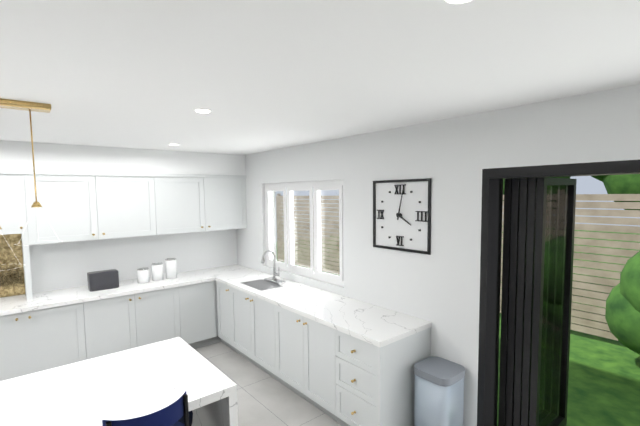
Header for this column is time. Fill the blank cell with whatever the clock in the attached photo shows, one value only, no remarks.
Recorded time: 4:02
